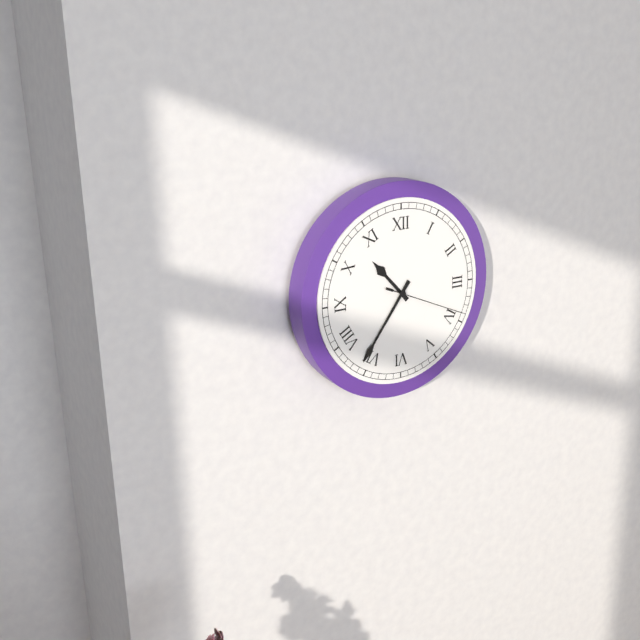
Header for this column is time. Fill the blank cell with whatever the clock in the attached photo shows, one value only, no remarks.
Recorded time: 10:36:19
